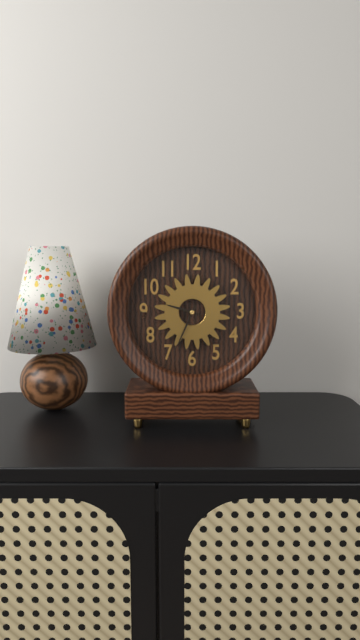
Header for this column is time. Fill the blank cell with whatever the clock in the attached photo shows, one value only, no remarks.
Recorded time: 9:34
